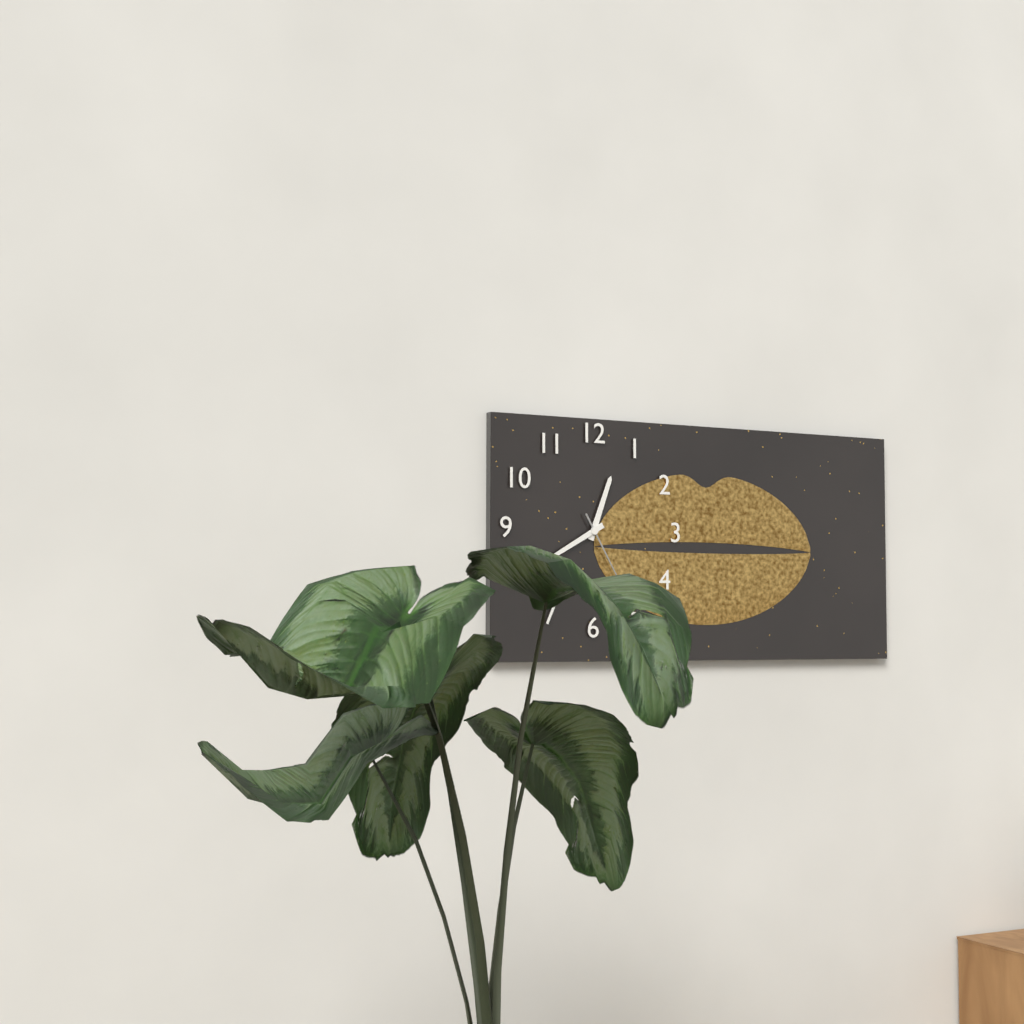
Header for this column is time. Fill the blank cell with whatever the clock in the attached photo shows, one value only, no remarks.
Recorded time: 12:40:25
